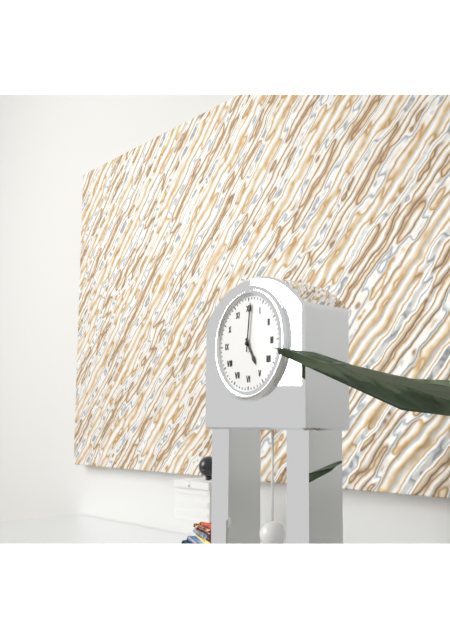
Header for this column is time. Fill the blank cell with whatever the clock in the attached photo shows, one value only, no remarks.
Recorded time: 5:01
